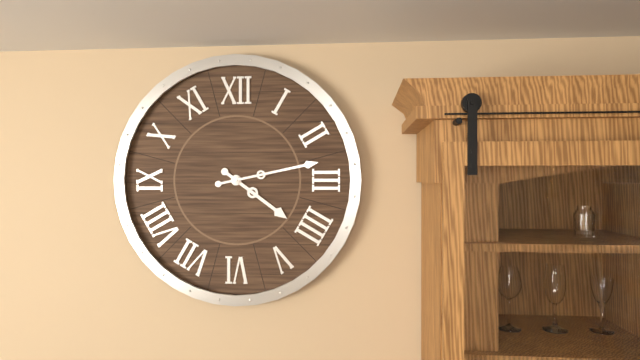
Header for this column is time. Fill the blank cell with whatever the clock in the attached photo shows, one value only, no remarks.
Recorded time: 4:13
